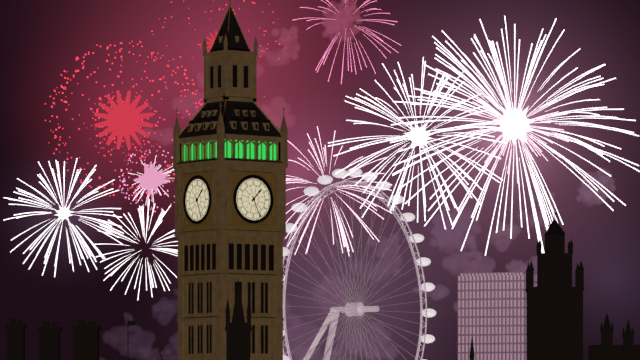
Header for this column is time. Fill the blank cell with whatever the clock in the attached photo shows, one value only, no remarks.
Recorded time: 1:26
